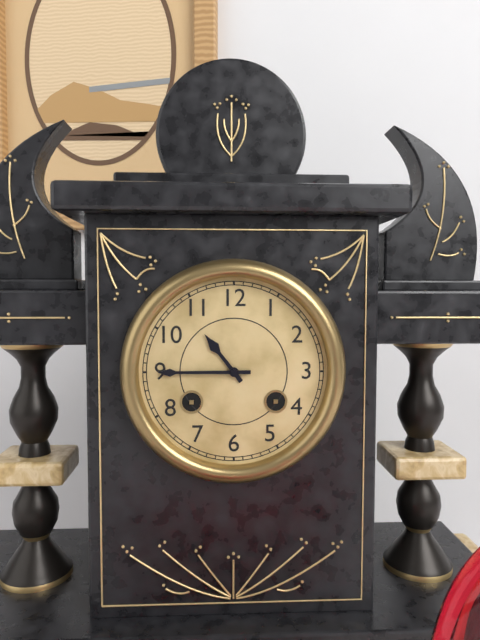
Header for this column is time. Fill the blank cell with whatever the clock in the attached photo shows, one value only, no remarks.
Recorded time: 10:45
